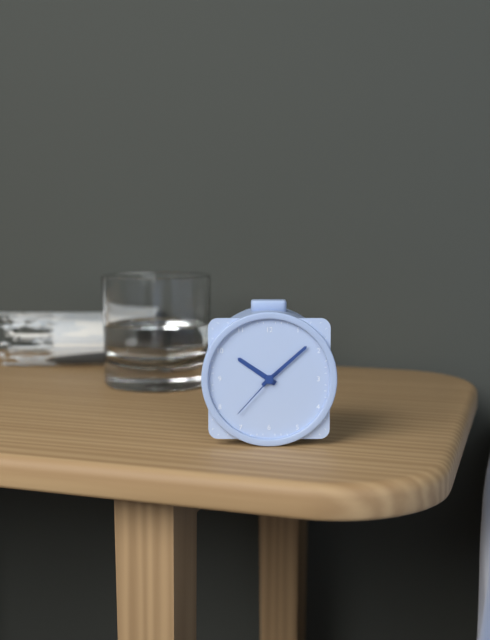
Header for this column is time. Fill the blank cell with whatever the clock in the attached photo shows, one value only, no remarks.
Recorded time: 10:08:37
